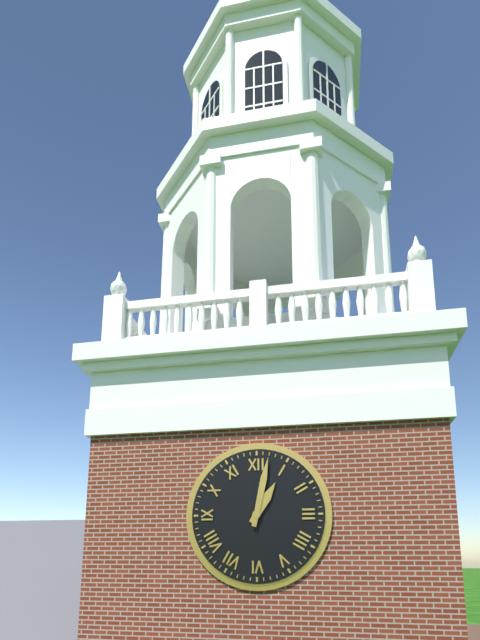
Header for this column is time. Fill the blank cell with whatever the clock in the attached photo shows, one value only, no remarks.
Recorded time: 1:02
